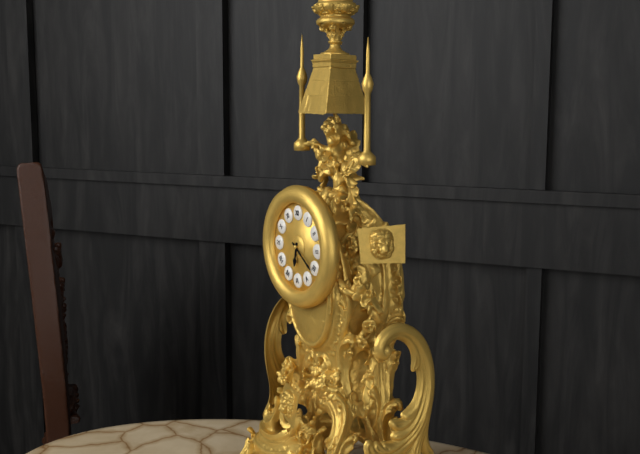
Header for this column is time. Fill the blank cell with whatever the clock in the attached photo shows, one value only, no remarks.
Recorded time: 6:21
